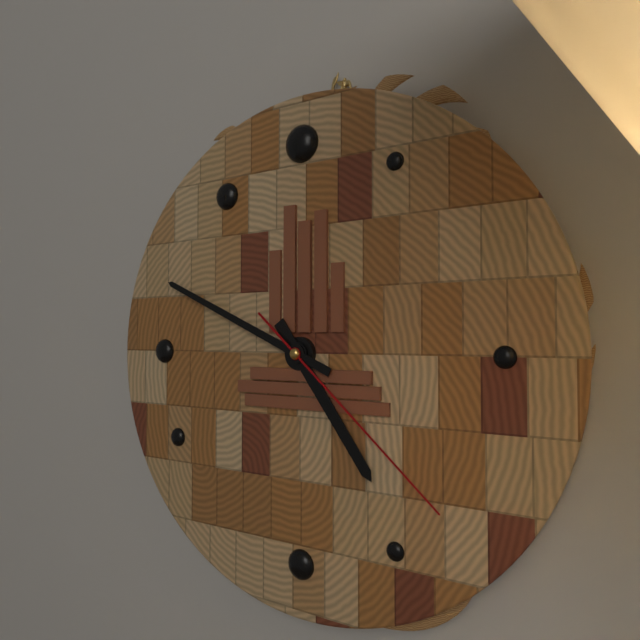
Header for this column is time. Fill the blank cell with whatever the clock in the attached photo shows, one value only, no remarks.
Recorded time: 4:49:22
